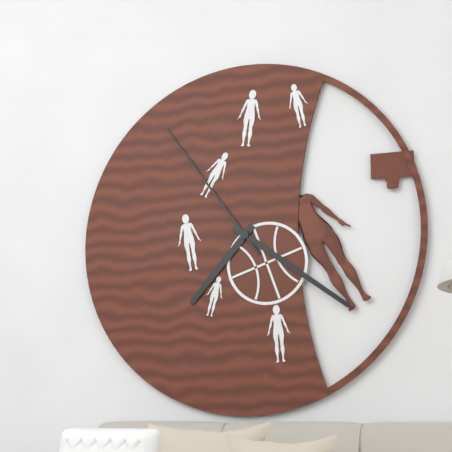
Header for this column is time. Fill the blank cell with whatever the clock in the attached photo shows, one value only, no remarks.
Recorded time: 7:21:54
